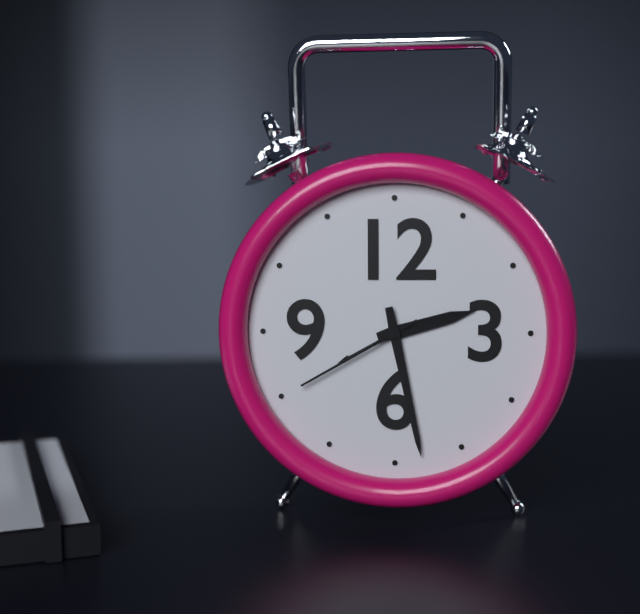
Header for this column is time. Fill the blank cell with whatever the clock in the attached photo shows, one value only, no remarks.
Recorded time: 2:28:40
